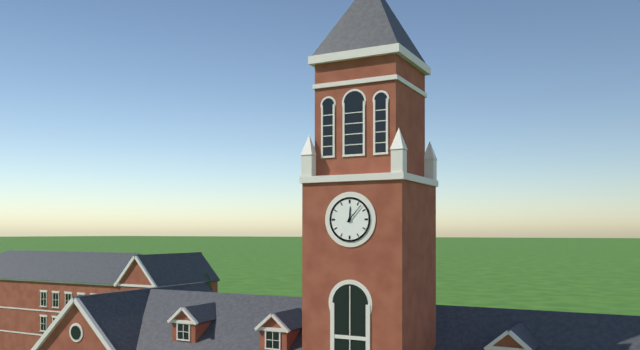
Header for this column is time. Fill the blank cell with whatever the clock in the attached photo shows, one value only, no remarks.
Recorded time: 12:07
